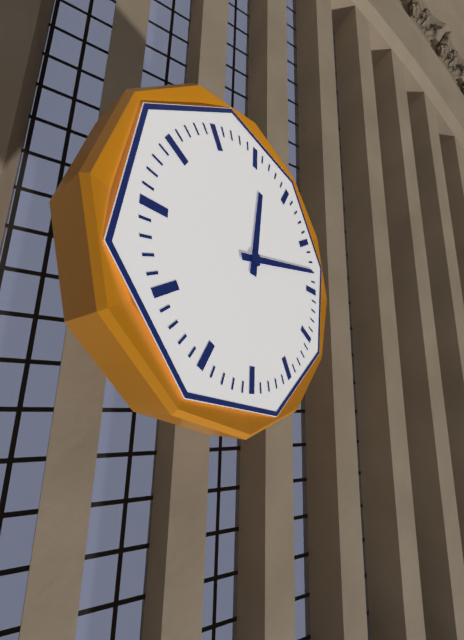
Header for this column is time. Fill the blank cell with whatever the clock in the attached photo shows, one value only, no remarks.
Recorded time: 12:13
